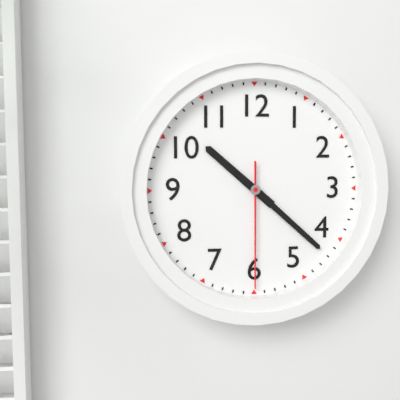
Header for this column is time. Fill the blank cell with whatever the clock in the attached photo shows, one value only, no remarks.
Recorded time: 10:22:30
